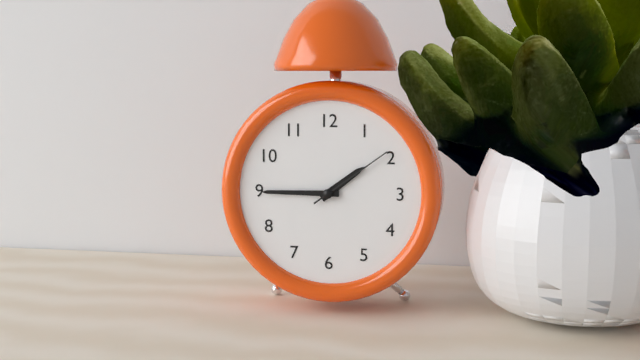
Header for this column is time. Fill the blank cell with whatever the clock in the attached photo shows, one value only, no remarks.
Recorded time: 1:45:09
